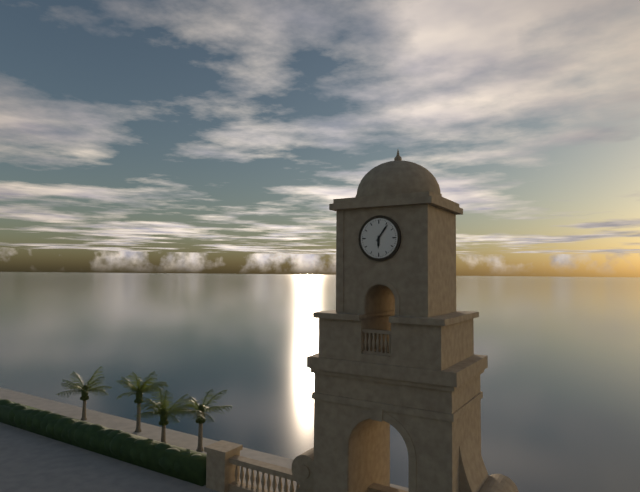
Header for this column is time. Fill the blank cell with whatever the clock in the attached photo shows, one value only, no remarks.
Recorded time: 6:06
